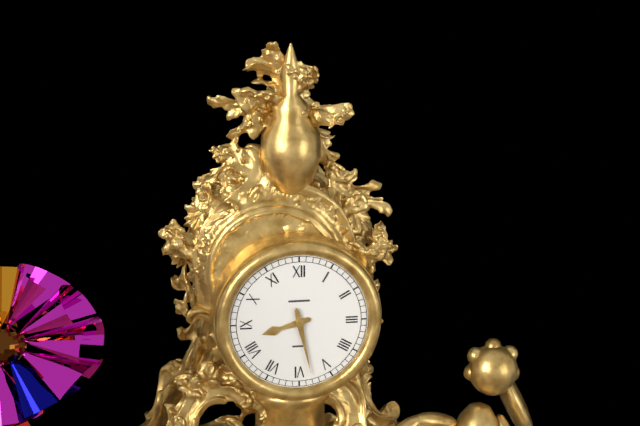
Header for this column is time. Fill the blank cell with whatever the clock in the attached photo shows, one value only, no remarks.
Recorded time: 8:28
